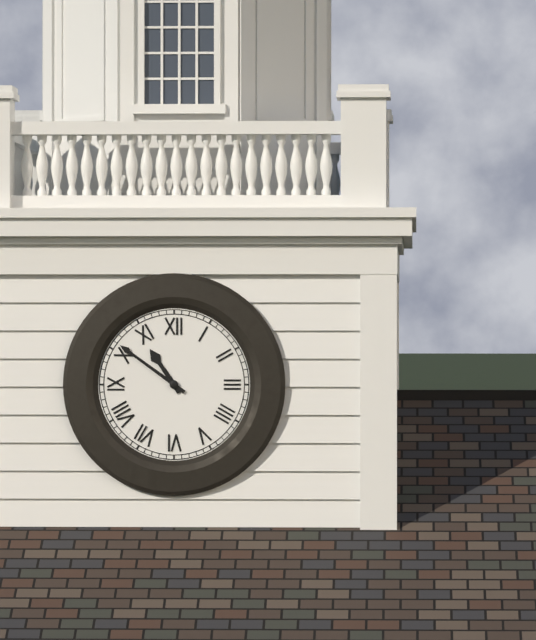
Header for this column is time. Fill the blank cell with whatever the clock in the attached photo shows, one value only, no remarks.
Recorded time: 10:51
